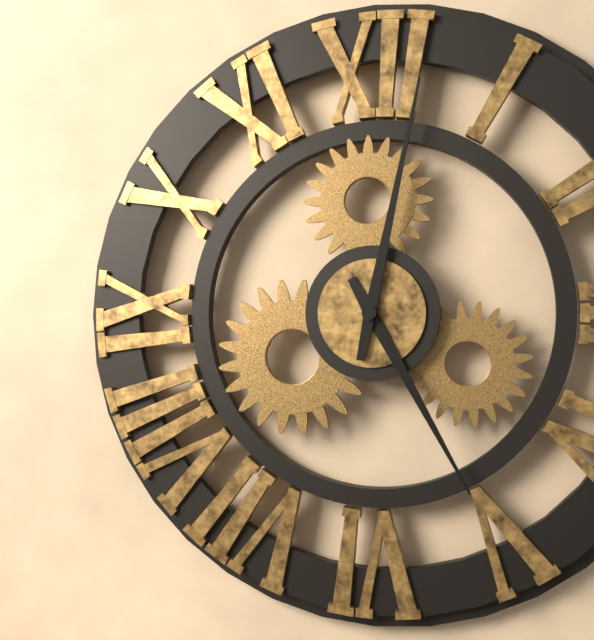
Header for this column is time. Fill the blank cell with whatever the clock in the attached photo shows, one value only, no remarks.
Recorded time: 5:02
